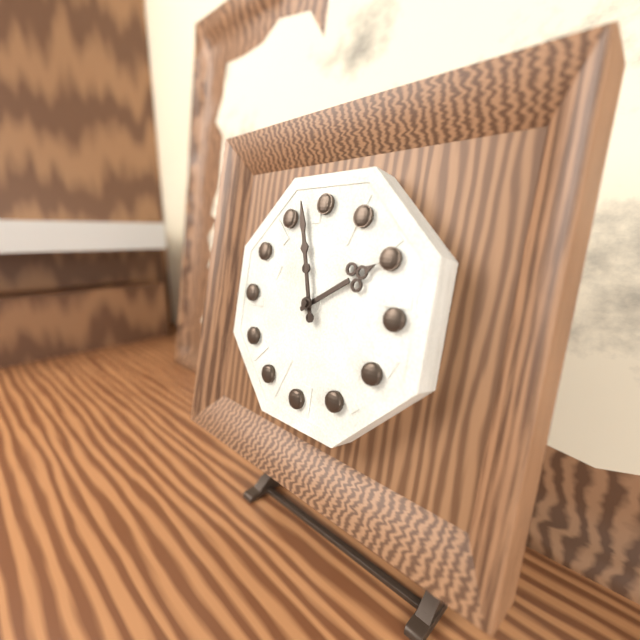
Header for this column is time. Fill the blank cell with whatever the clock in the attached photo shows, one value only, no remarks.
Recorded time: 1:57
